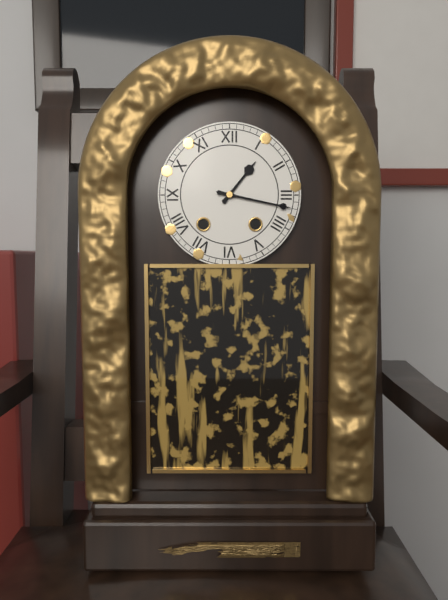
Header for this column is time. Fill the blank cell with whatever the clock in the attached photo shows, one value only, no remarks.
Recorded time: 1:17
